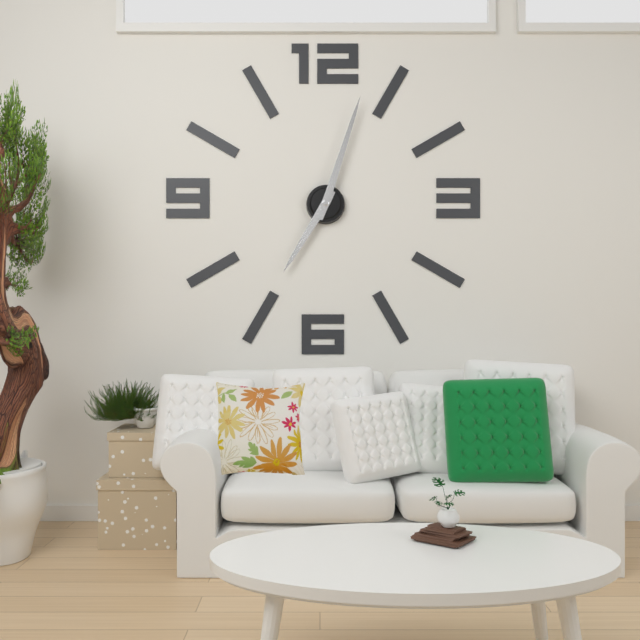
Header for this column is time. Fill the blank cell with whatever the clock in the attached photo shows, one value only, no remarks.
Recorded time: 7:03
